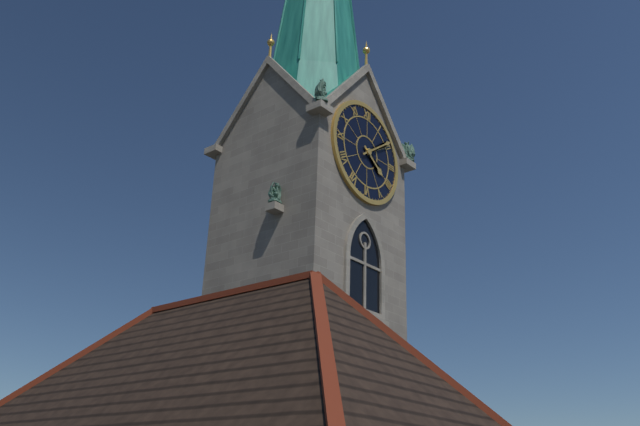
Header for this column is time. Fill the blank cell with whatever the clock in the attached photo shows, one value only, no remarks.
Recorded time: 4:09
